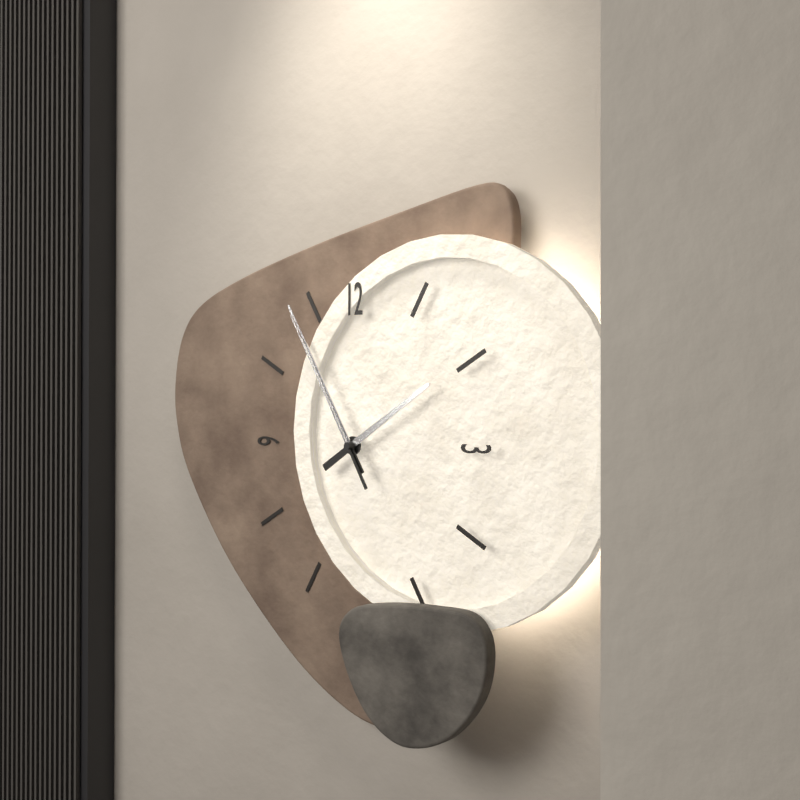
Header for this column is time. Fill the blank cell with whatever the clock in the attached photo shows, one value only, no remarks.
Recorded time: 1:55:55
